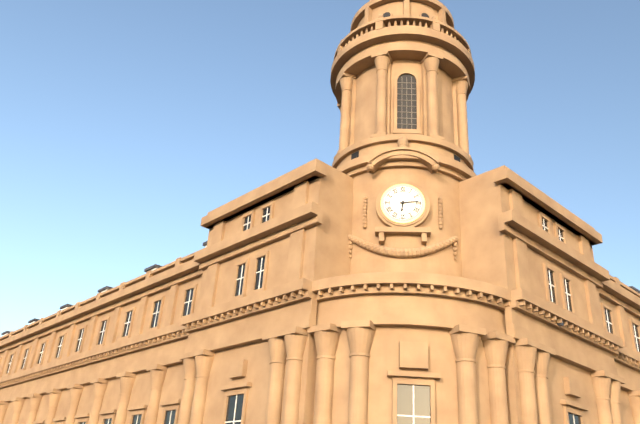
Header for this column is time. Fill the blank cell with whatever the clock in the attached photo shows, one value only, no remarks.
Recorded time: 6:14
